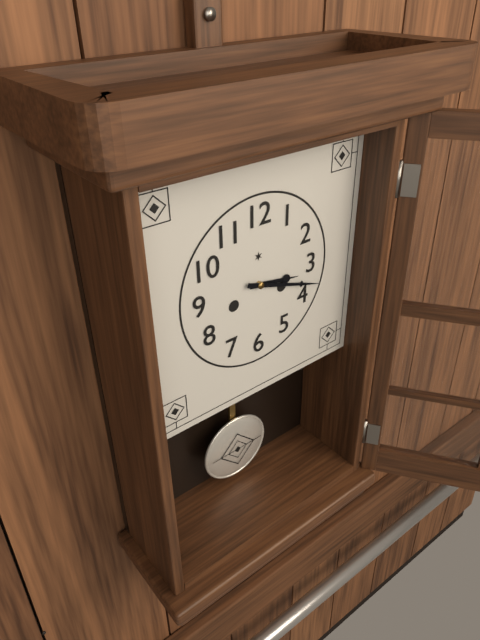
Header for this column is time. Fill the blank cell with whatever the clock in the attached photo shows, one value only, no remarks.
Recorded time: 3:18
